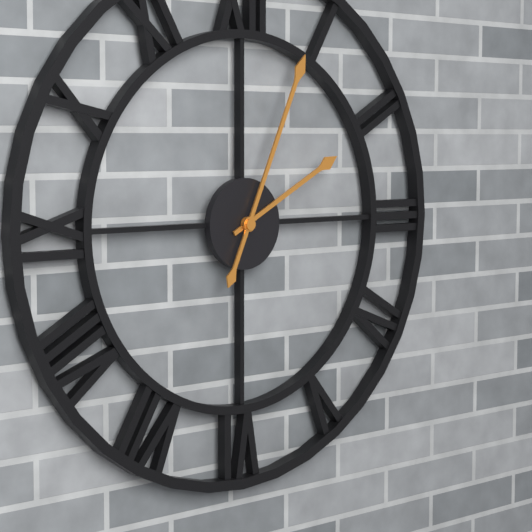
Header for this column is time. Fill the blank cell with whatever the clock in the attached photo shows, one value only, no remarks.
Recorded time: 2:04
